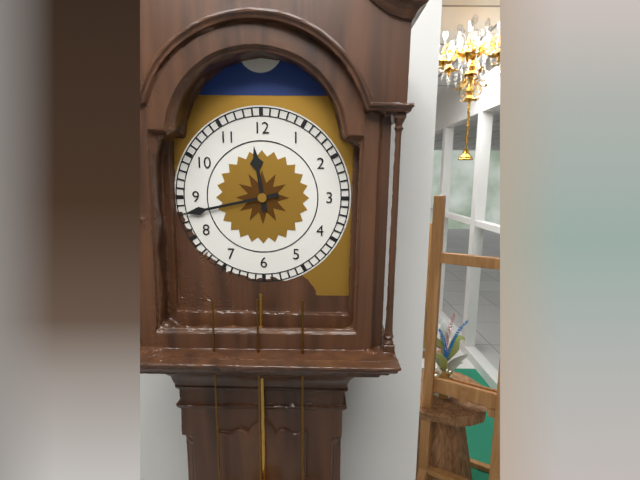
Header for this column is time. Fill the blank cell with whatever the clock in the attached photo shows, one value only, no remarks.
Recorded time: 11:43
